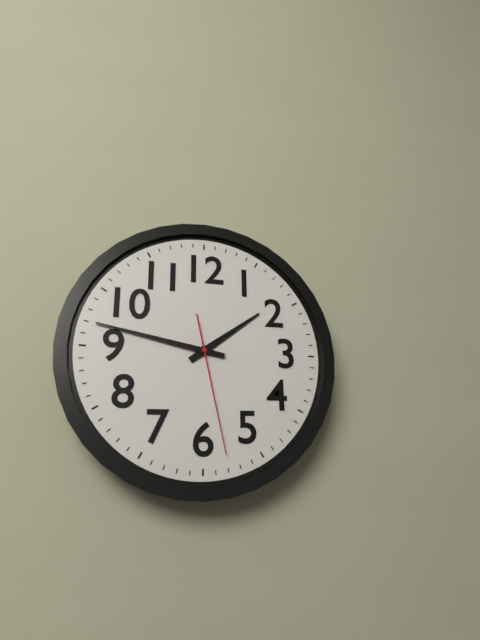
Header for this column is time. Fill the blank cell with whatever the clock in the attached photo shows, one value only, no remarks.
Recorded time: 1:47:28
